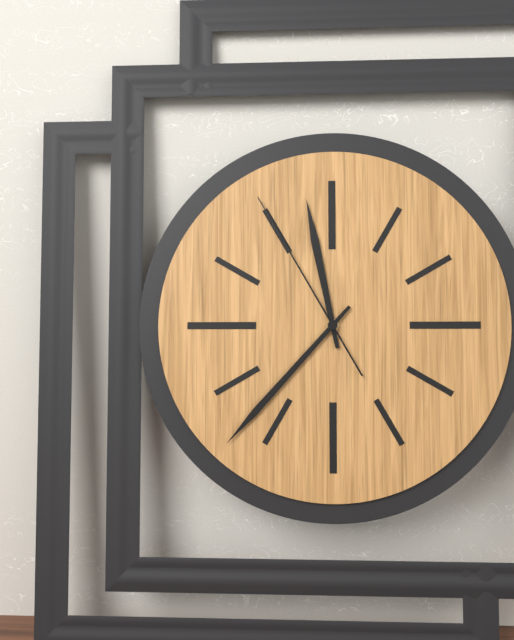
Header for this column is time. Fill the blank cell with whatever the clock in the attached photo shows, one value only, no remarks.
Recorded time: 11:37:55
